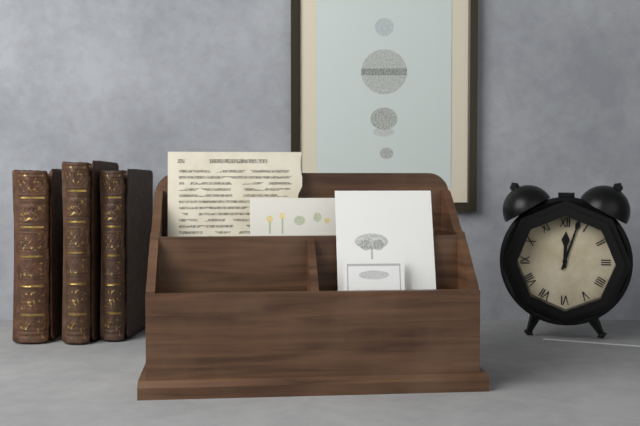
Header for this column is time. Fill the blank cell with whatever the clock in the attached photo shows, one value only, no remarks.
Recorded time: 12:03
